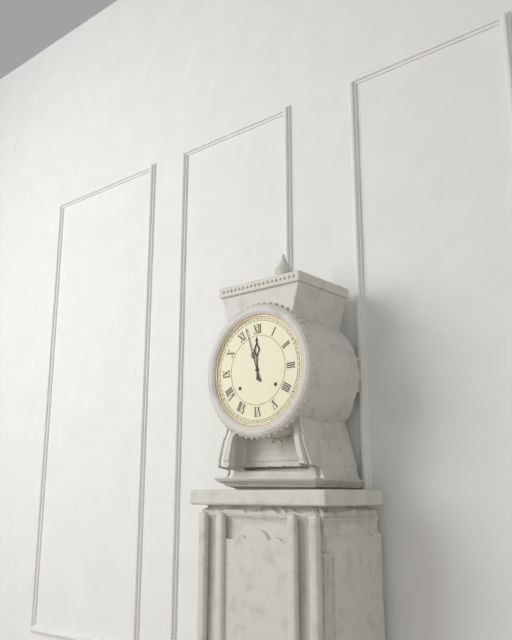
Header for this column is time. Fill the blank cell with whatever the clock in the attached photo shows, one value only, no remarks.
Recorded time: 11:57
